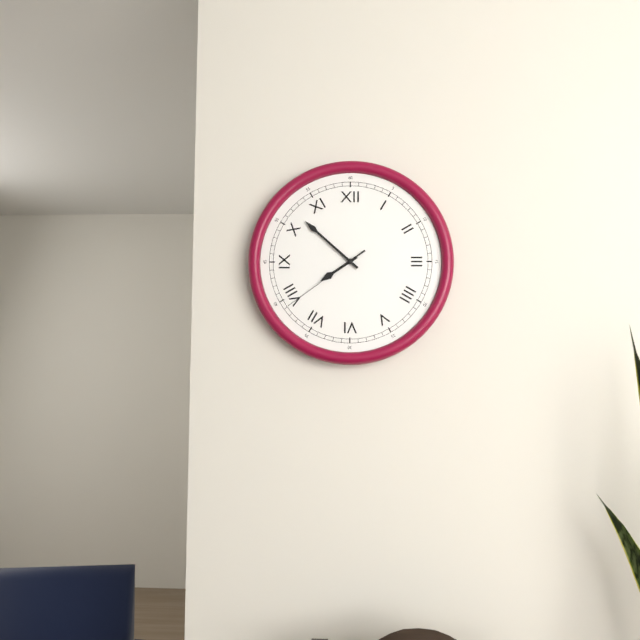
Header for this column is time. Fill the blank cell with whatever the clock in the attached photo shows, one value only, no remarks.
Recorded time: 7:52:39
